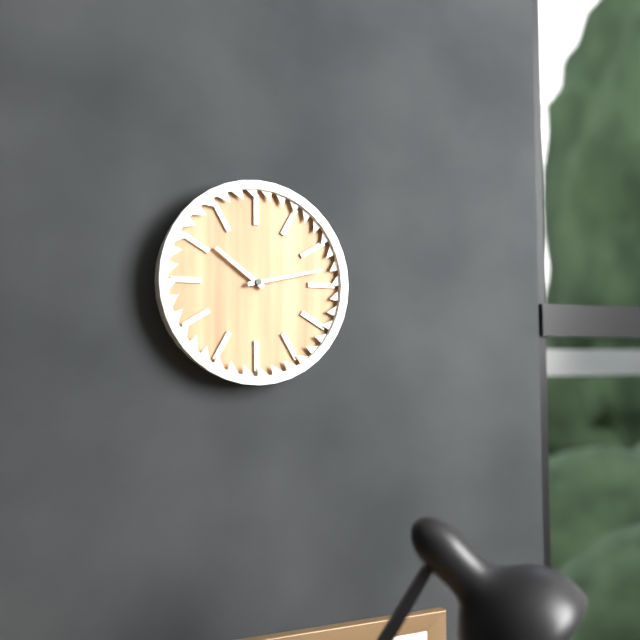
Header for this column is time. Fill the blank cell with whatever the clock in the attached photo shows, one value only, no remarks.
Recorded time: 10:13
